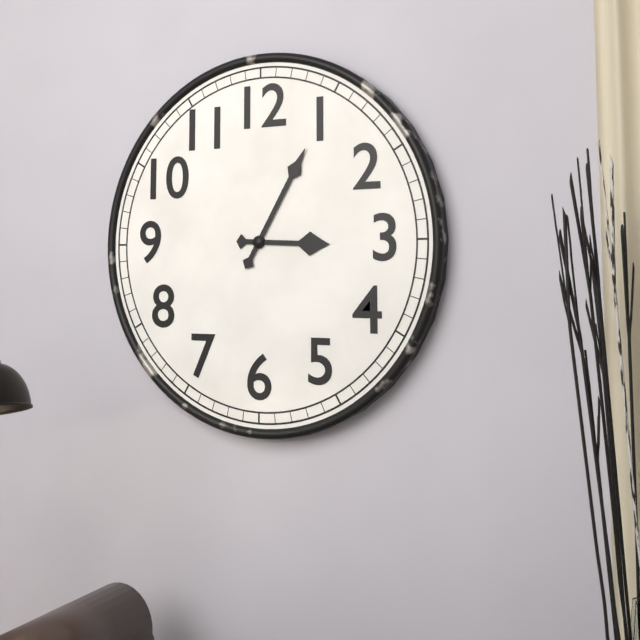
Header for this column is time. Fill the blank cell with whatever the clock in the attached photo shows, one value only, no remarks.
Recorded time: 3:05
